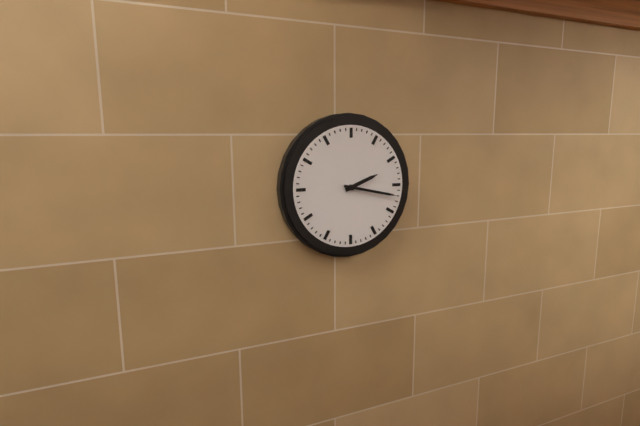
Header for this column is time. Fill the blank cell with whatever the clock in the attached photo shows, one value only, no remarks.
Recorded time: 2:17
